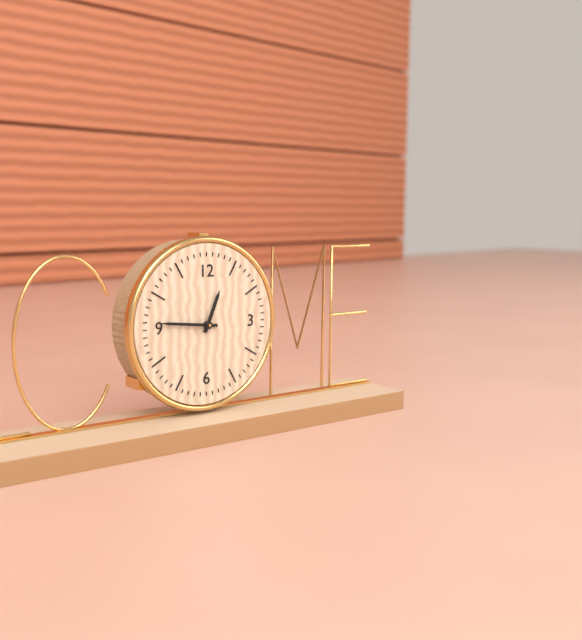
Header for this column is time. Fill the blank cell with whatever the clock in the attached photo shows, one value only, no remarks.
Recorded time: 12:46
